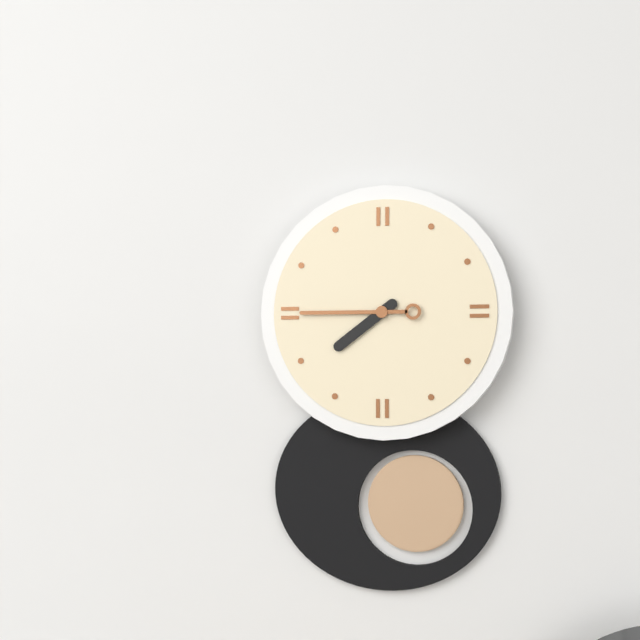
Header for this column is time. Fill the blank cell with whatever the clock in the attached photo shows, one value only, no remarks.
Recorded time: 7:45
